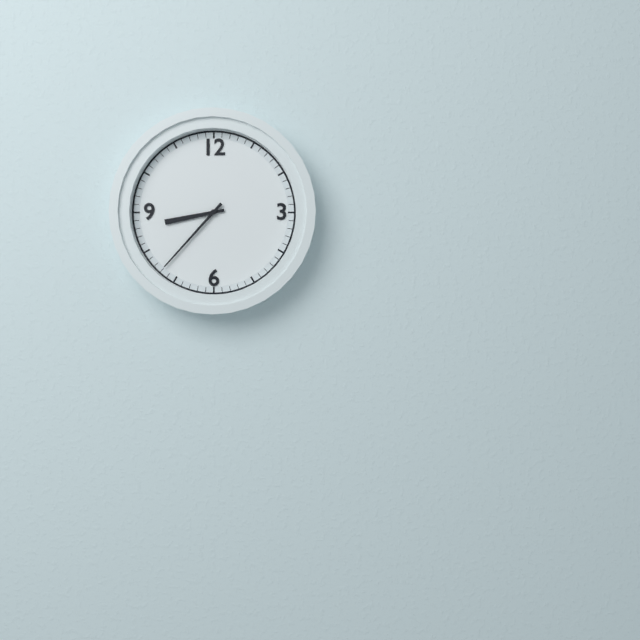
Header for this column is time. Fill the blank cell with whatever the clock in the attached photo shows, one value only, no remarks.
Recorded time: 8:37
